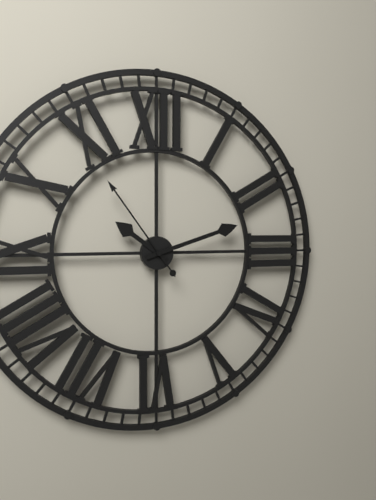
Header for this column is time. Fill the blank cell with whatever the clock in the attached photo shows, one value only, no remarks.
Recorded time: 10:12:54
